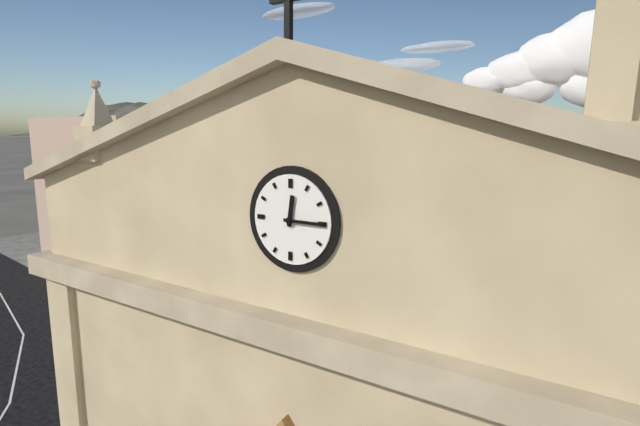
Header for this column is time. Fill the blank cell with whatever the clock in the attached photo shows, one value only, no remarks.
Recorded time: 12:15
